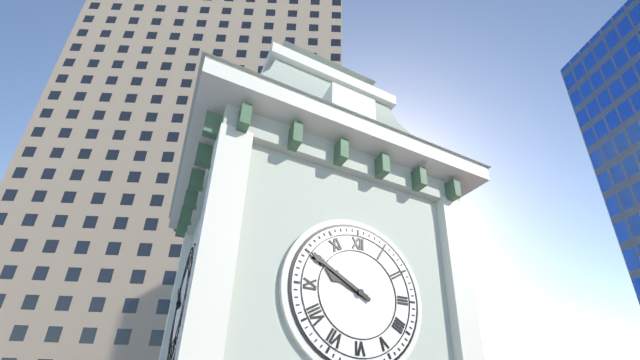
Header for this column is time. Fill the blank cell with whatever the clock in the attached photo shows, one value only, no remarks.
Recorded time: 9:50
